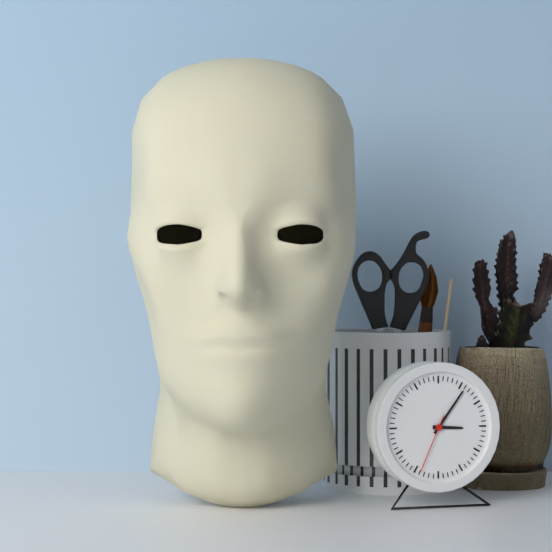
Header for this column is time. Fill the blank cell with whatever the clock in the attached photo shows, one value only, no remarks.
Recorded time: 3:06:34
